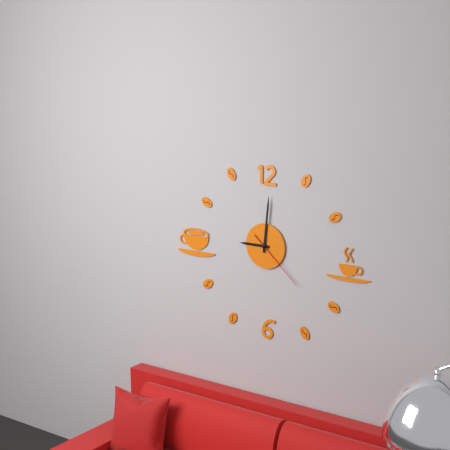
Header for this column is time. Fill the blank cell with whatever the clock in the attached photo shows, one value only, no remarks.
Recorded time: 9:01:22
